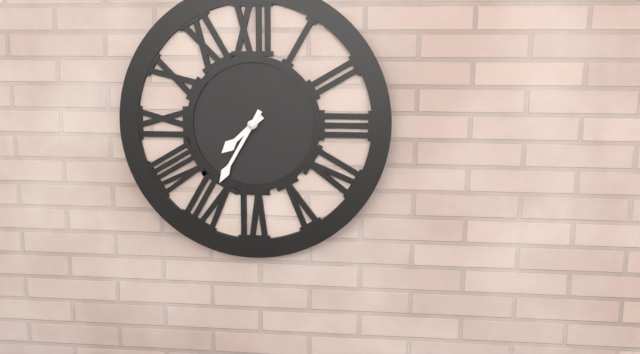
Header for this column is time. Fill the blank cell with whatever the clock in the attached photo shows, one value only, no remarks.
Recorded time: 7:35
